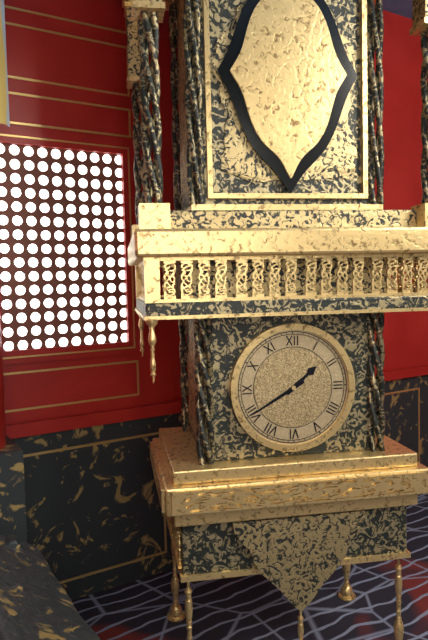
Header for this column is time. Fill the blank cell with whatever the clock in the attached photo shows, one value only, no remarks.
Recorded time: 1:40
